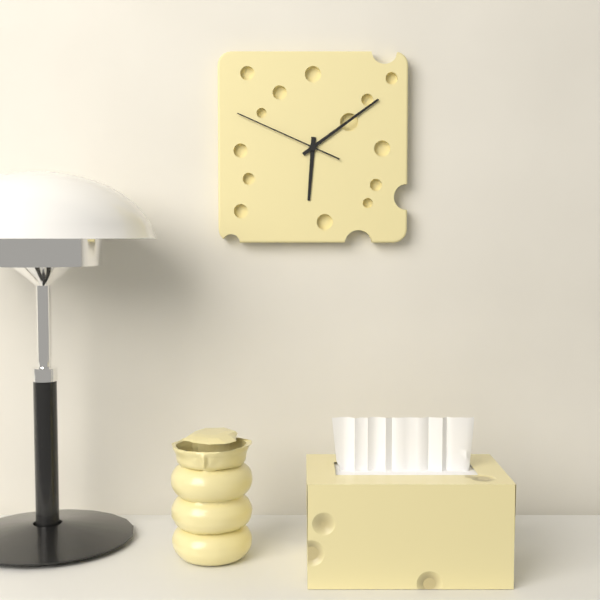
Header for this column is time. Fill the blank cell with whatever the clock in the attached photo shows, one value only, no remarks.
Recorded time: 6:09:49
